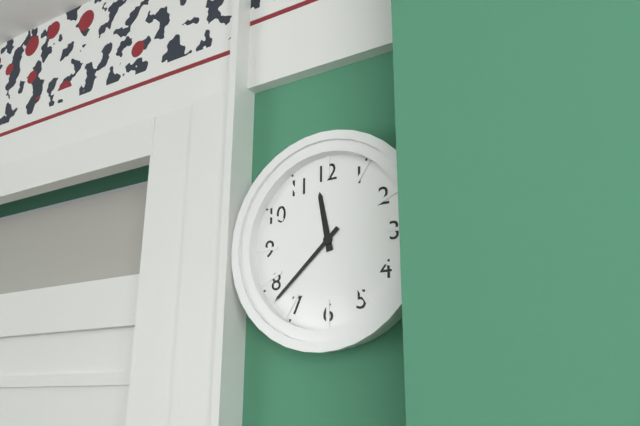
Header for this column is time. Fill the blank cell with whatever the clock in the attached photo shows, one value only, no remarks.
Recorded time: 11:38
